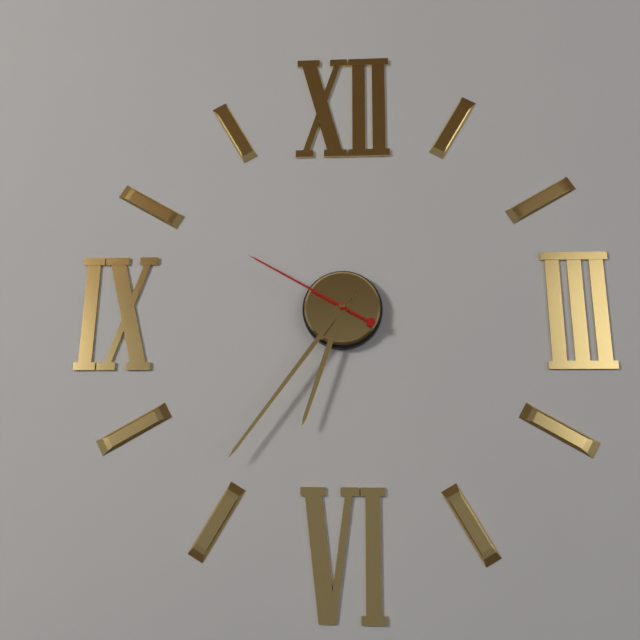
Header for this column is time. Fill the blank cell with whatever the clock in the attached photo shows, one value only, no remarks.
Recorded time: 6:36:50
